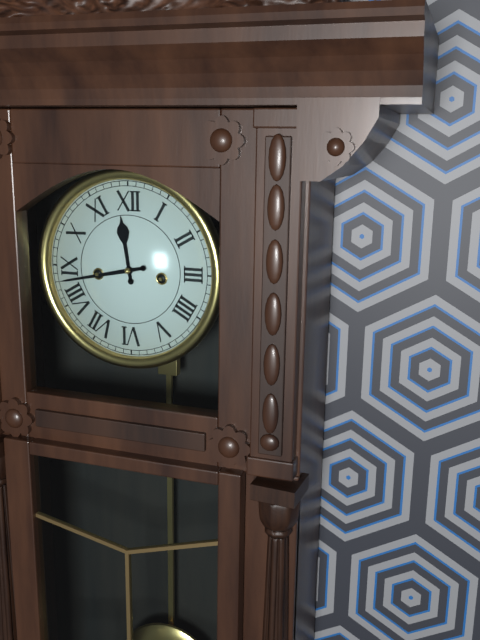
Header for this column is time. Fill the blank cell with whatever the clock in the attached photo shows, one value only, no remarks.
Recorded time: 11:43
